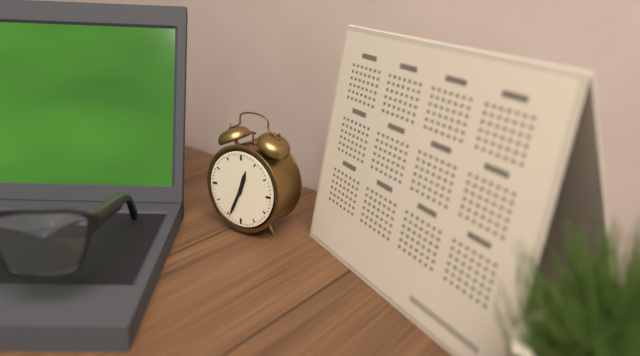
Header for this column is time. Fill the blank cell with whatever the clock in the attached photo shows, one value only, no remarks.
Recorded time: 12:34
